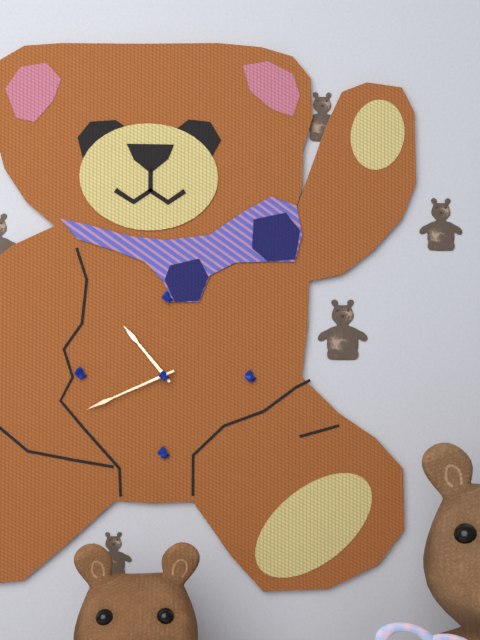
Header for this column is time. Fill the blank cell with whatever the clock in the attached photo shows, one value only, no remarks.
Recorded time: 10:41
